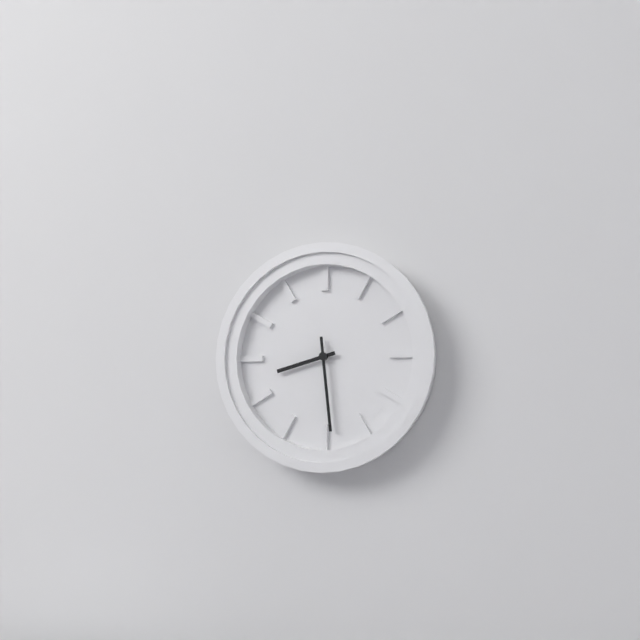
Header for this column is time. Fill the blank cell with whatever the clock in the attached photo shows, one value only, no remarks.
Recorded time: 8:29
